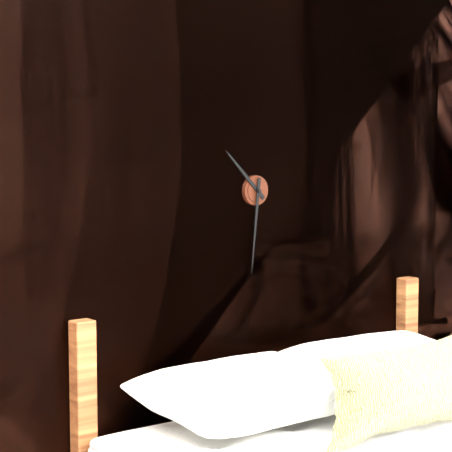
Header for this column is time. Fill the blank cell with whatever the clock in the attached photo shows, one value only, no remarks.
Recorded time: 10:31
